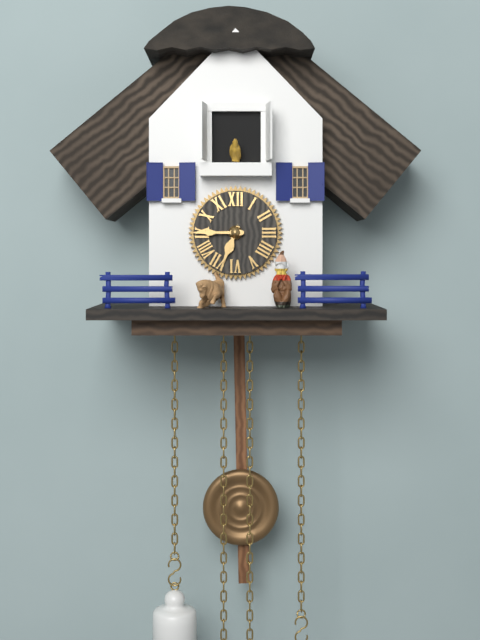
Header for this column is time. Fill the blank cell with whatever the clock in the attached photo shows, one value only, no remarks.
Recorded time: 6:45
